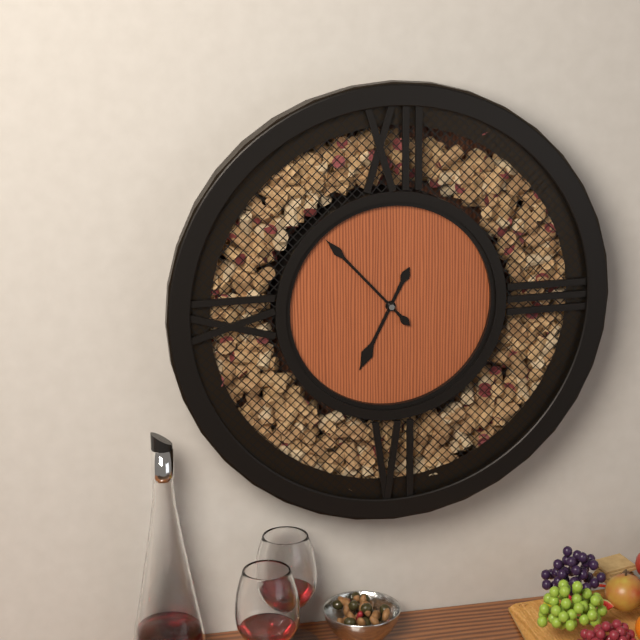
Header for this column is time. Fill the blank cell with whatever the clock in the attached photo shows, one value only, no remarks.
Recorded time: 6:53
